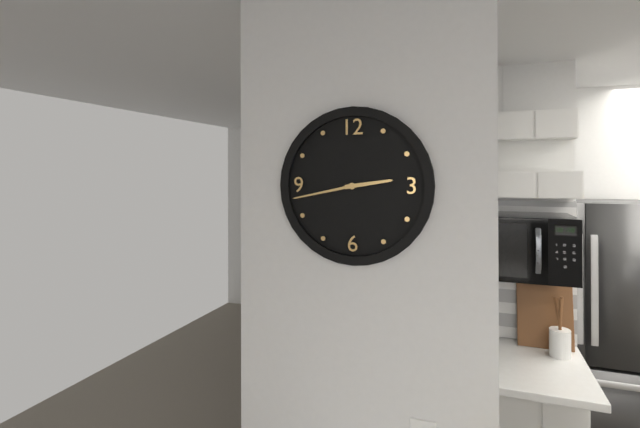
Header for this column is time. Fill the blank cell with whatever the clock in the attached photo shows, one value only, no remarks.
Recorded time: 2:43
